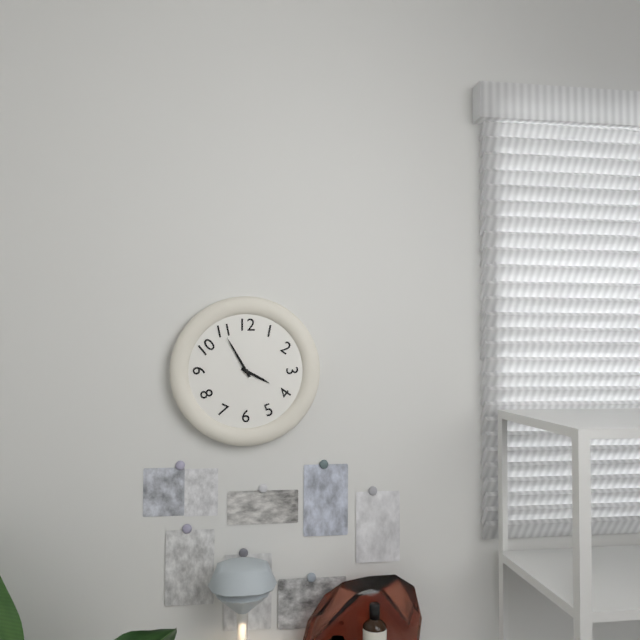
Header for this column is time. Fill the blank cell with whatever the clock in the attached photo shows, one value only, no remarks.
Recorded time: 3:55
